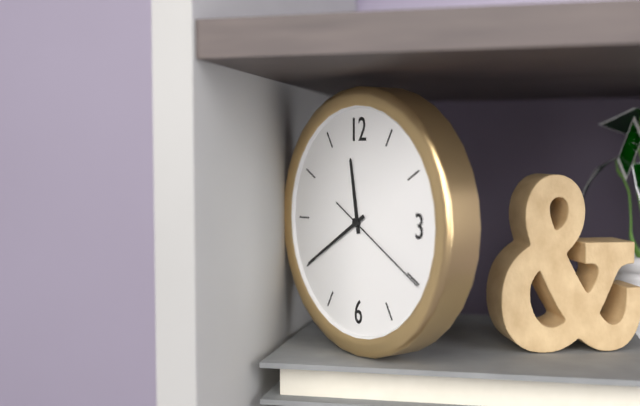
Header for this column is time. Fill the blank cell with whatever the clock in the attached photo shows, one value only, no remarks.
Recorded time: 11:40:20
